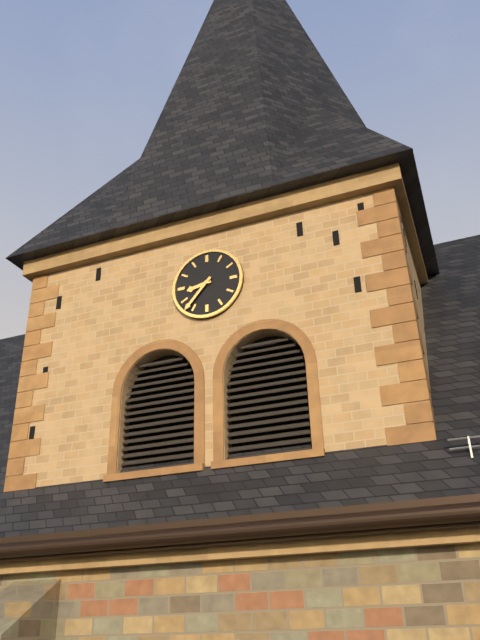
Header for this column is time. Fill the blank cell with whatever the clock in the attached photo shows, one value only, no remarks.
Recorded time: 8:37
